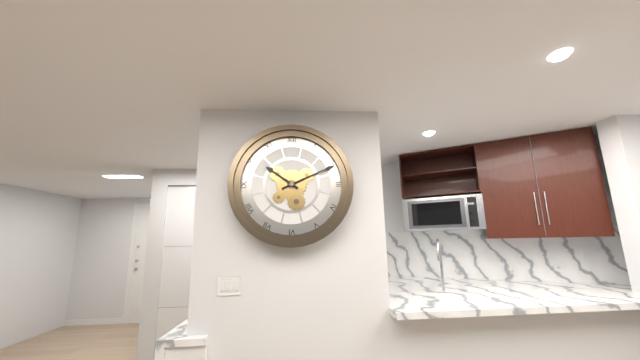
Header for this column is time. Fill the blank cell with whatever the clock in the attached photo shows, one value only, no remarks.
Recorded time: 10:11
